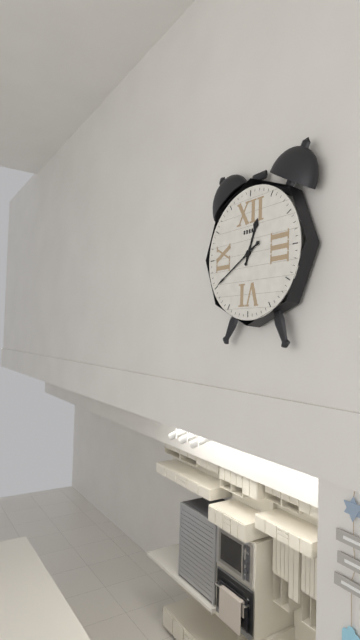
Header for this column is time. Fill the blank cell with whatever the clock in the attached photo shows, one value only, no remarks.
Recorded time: 12:40
